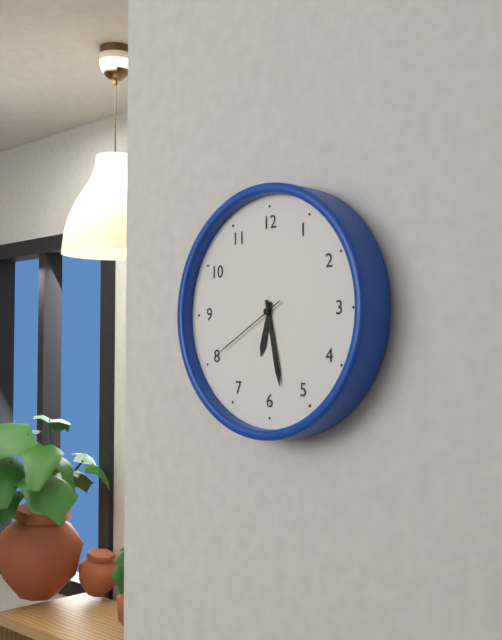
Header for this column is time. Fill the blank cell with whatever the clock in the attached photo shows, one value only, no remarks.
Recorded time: 6:28:40
